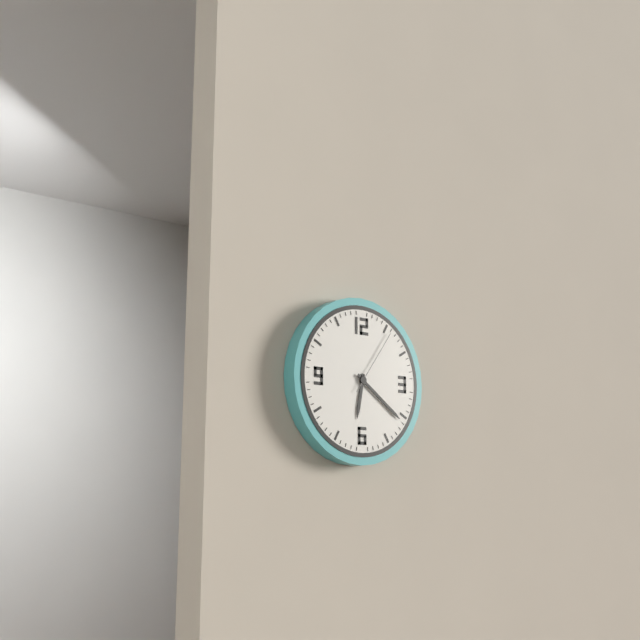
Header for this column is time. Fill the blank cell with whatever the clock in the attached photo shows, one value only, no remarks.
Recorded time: 6:21:06
